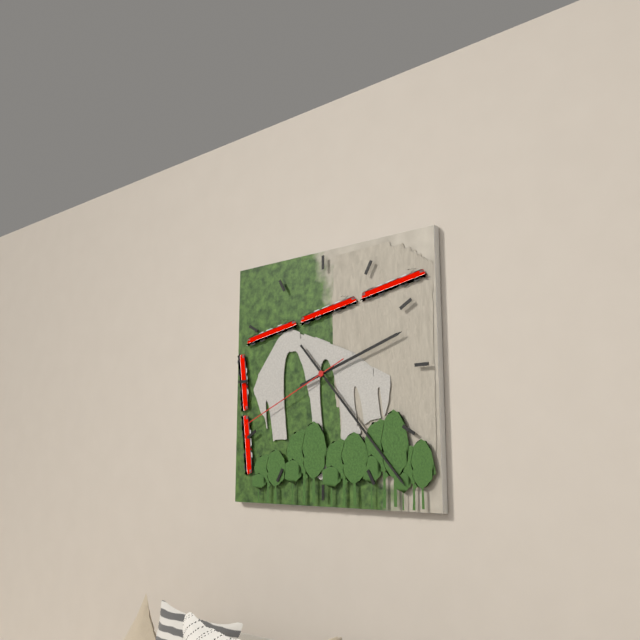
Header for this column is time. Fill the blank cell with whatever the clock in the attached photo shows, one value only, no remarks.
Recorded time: 2:23:41
